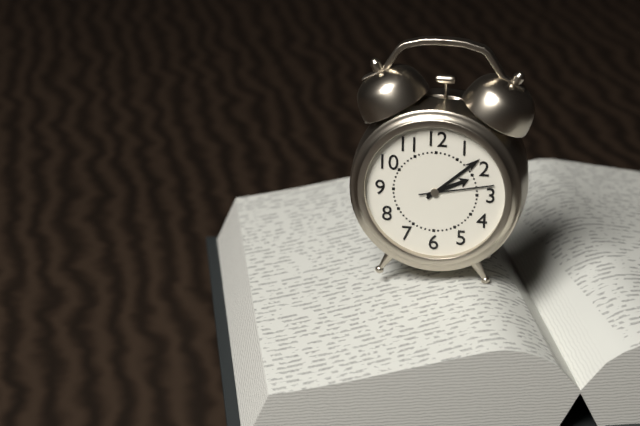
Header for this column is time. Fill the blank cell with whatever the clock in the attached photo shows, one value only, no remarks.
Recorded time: 2:08:13
